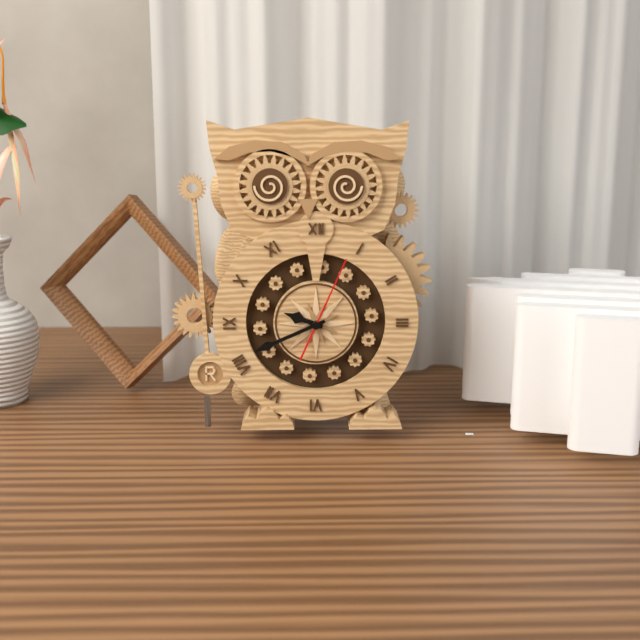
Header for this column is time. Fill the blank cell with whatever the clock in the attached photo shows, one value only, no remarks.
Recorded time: 9:41:04
